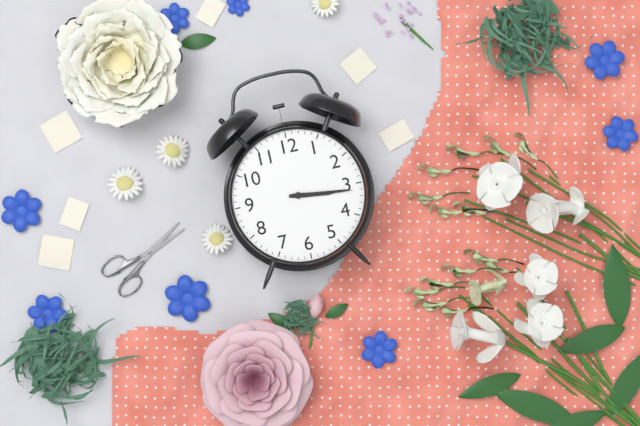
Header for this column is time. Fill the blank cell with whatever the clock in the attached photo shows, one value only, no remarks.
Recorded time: 3:16
